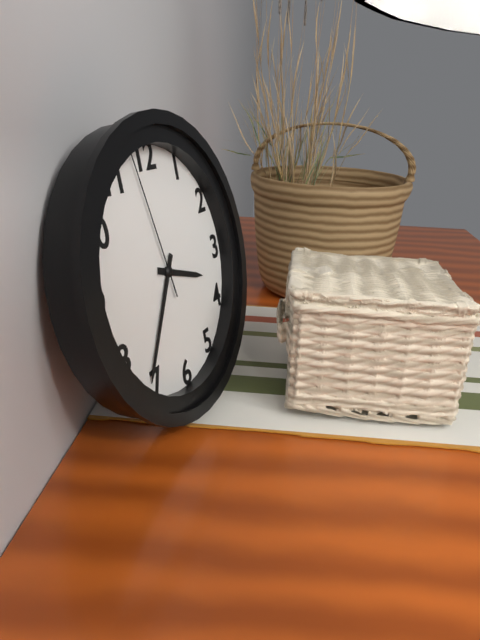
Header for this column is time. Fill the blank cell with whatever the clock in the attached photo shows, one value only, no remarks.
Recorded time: 3:36:58
